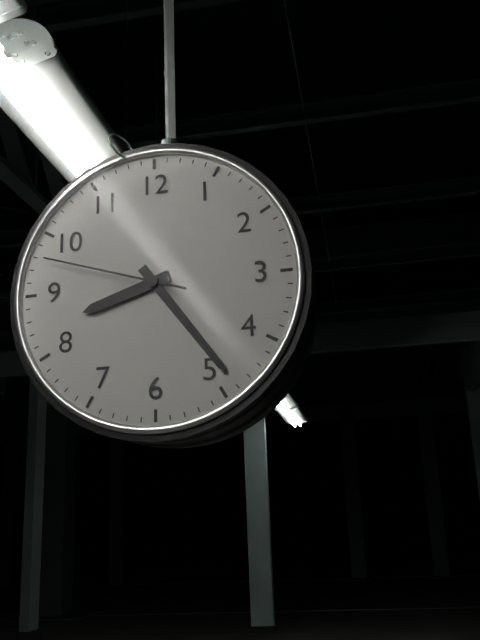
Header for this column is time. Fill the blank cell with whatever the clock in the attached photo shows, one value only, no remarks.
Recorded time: 8:24:48
